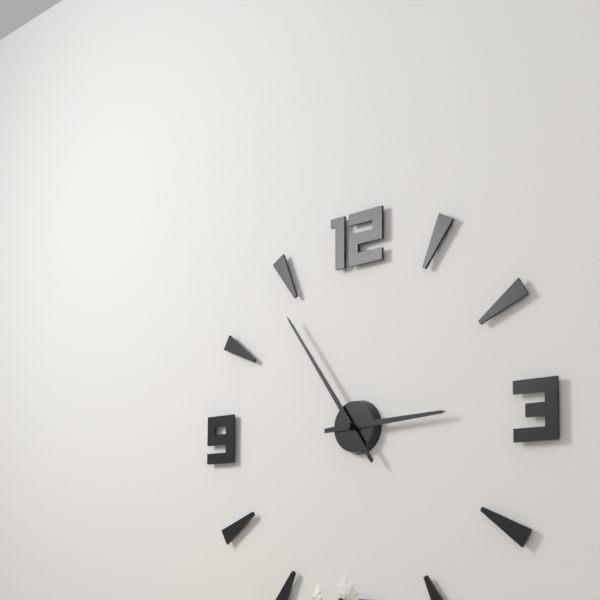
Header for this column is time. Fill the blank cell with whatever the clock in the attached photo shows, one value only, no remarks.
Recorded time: 2:54
